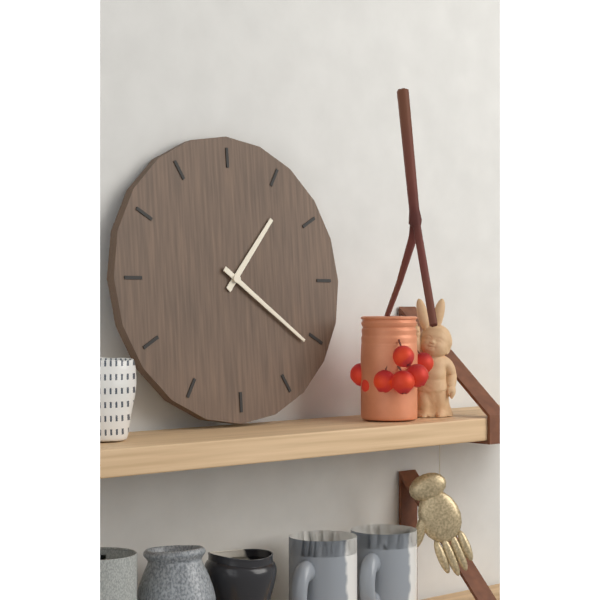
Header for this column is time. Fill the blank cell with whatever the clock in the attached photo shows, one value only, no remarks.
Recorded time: 1:21
